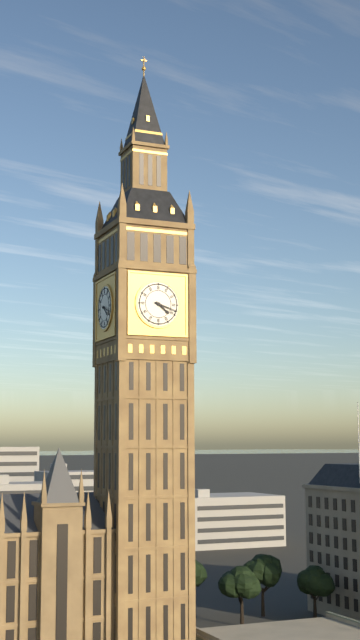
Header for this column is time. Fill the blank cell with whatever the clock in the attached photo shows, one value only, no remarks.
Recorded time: 4:18
